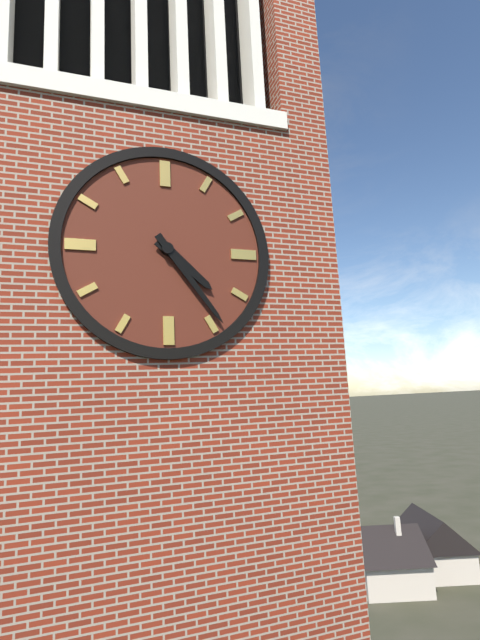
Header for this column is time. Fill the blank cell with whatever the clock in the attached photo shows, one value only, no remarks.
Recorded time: 4:24
